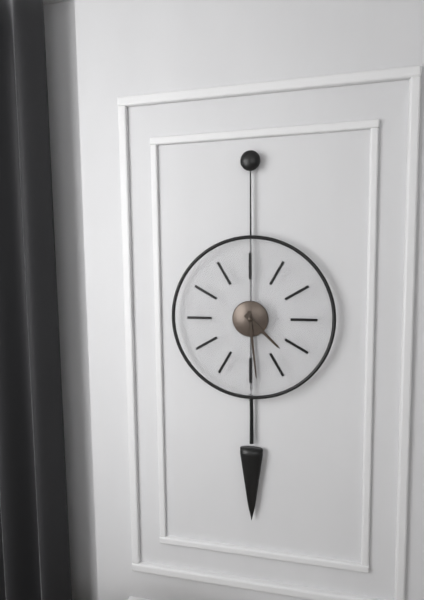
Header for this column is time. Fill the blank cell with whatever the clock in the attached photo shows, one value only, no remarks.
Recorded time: 4:29
